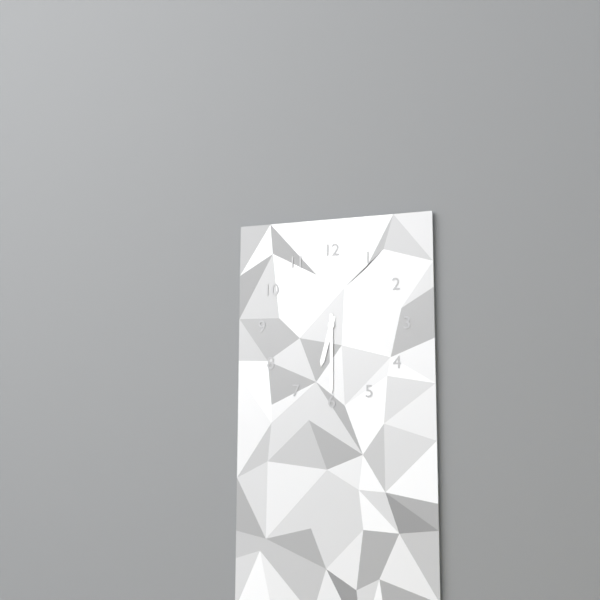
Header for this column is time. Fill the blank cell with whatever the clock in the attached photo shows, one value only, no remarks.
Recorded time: 6:30
